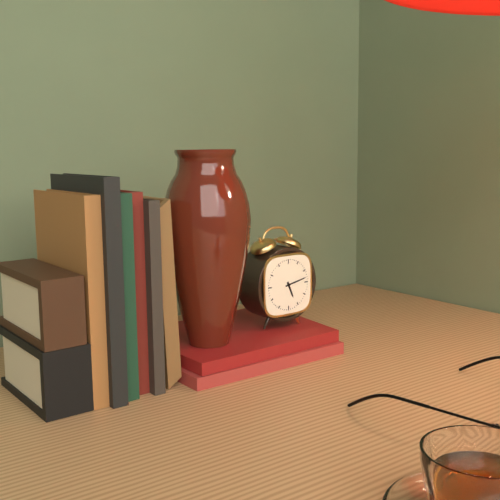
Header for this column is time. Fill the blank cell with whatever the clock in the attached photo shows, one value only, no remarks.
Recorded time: 5:13
